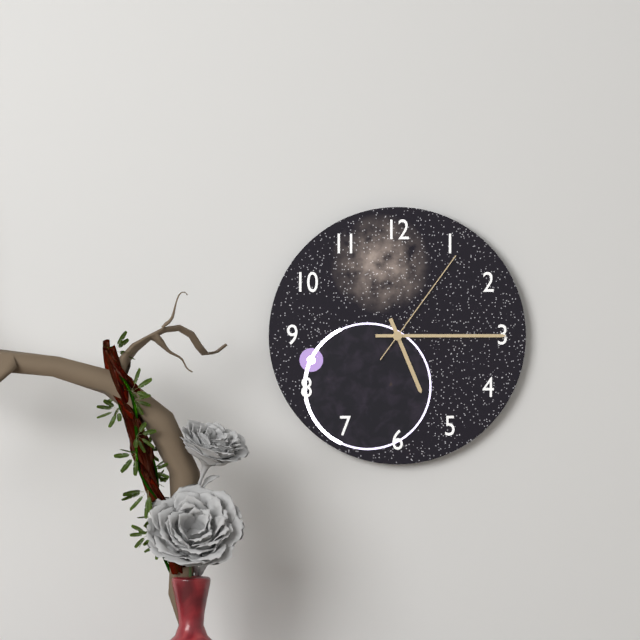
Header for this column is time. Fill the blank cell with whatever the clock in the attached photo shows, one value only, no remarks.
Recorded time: 5:15:06
